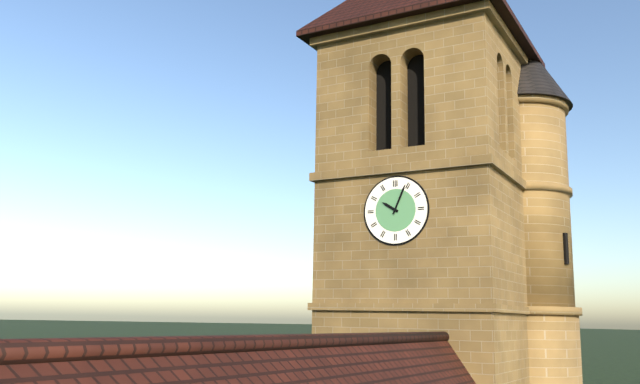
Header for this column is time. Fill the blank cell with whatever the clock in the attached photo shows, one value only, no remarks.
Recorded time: 10:04
